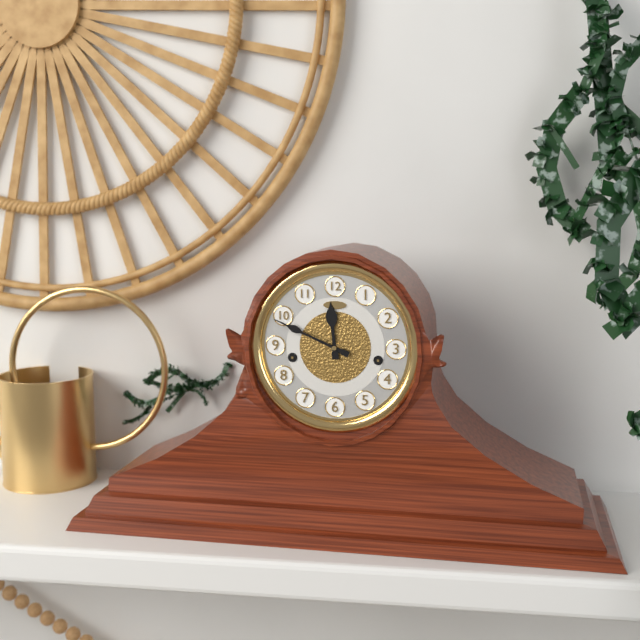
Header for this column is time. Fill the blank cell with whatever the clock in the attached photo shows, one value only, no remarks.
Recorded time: 11:49
